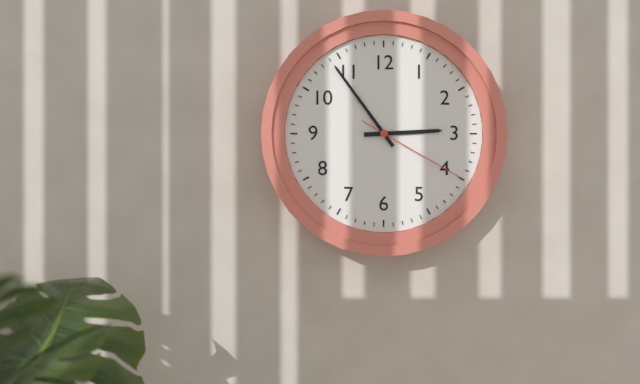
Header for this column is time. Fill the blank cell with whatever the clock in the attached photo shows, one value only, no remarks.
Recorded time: 2:54:20
